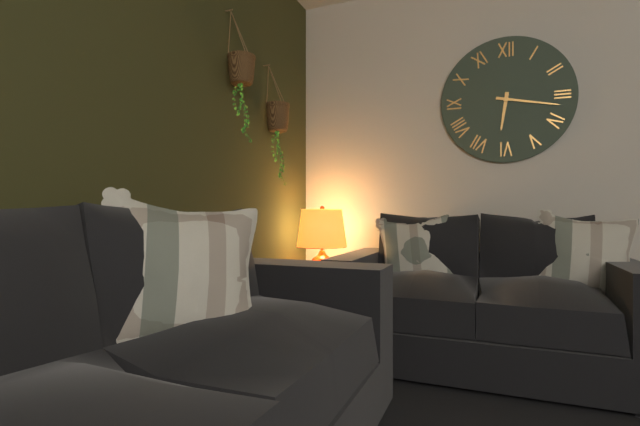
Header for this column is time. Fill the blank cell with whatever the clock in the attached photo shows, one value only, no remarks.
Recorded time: 6:17
